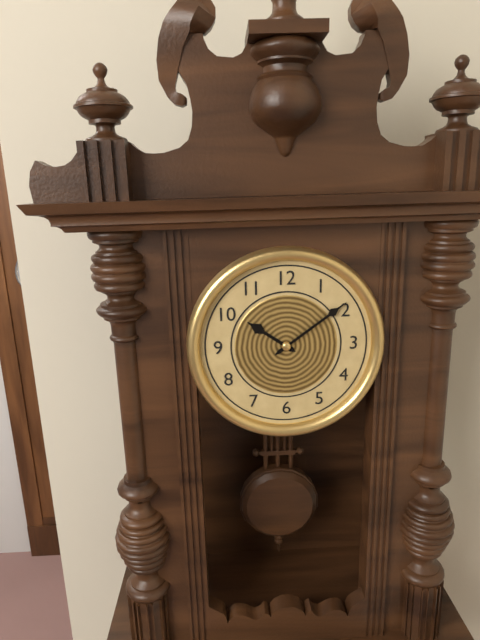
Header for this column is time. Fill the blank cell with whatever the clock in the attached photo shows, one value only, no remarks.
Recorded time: 10:09
